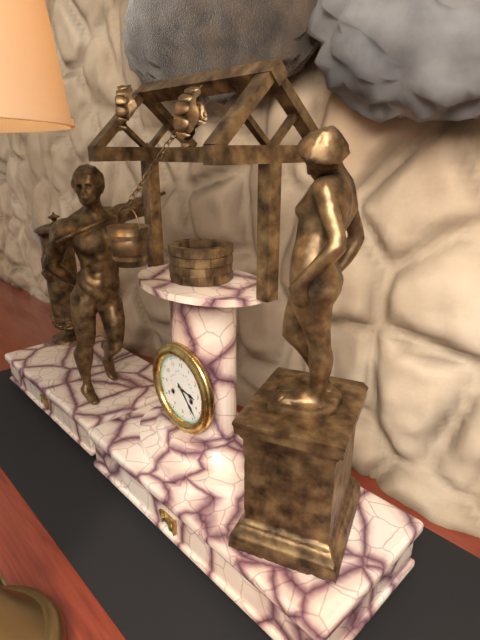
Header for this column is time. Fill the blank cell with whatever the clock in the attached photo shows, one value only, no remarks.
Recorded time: 3:23
